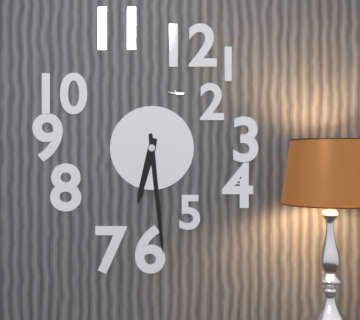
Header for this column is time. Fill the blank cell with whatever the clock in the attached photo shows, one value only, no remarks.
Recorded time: 6:29
